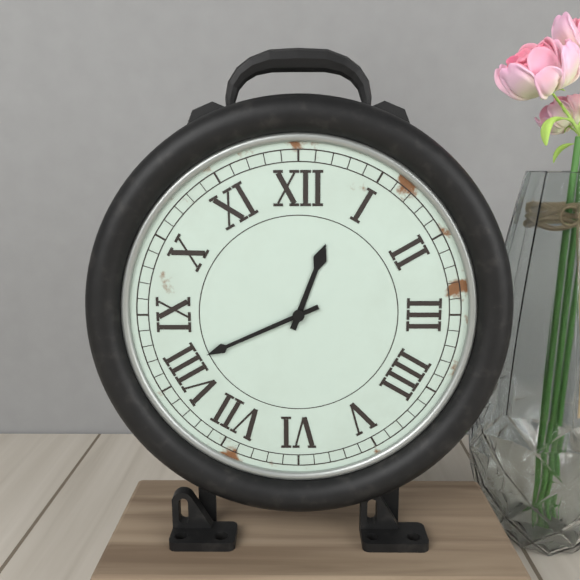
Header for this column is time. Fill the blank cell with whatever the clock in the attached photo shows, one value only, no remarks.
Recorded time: 12:41
